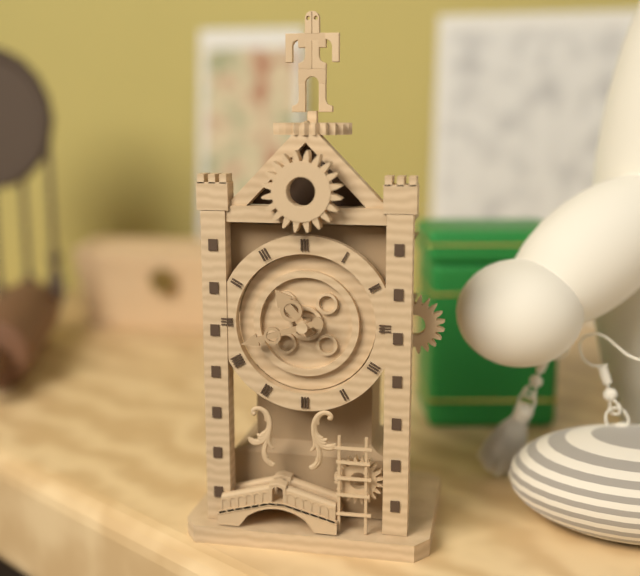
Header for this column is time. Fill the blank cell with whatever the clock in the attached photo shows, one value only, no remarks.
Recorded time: 10:42
